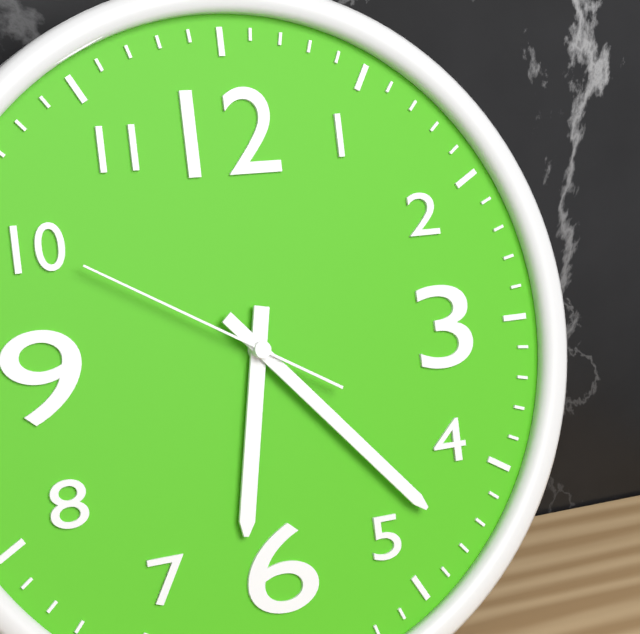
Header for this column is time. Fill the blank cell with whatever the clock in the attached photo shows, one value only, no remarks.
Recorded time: 6:23:50
